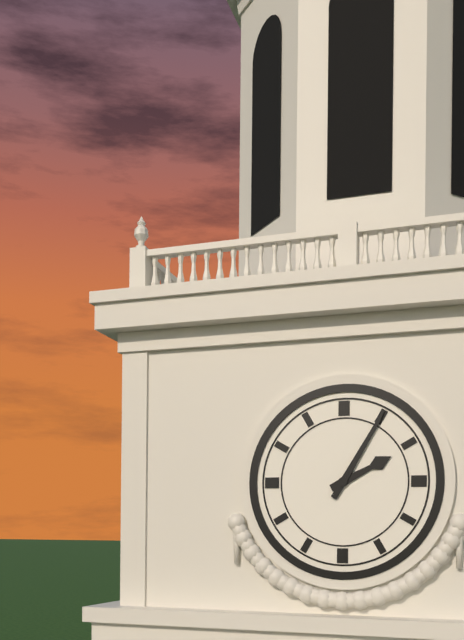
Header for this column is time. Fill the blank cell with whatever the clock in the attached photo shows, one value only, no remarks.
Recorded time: 2:05
